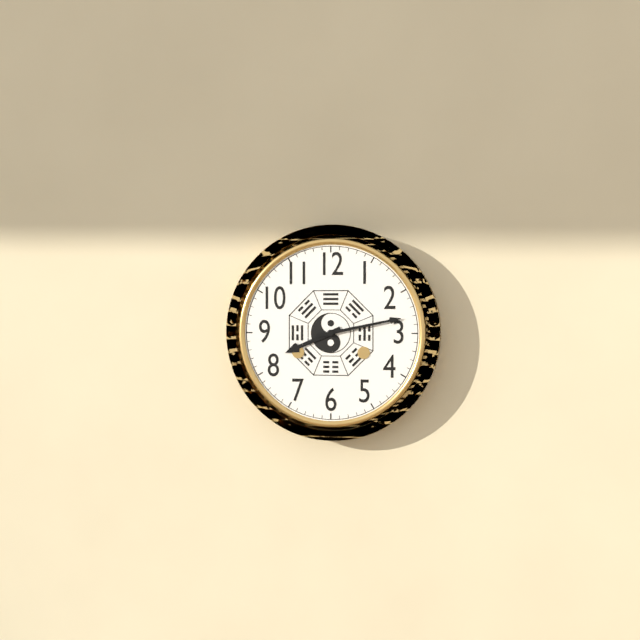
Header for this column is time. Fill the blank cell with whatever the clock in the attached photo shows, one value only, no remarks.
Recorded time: 8:13
